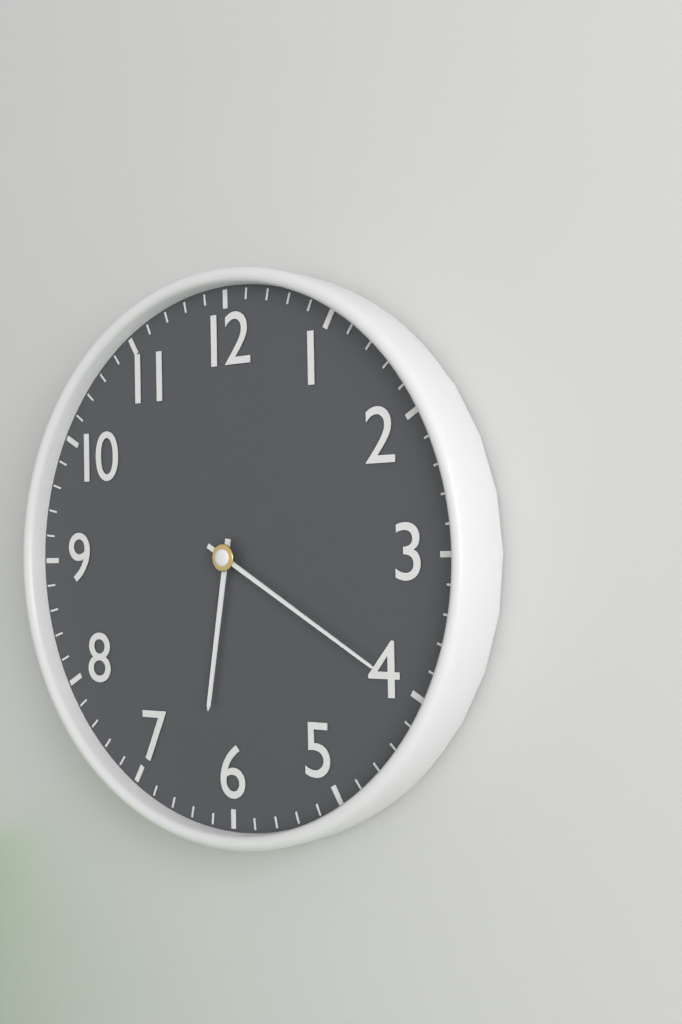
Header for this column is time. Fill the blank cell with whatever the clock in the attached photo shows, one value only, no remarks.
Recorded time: 6:20
